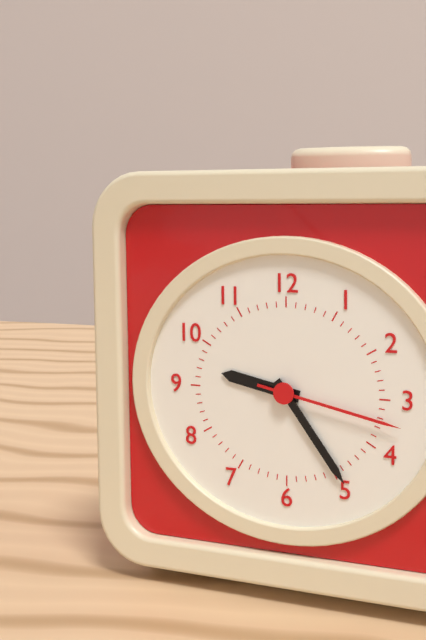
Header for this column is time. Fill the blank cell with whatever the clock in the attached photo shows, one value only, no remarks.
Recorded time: 9:24:17
